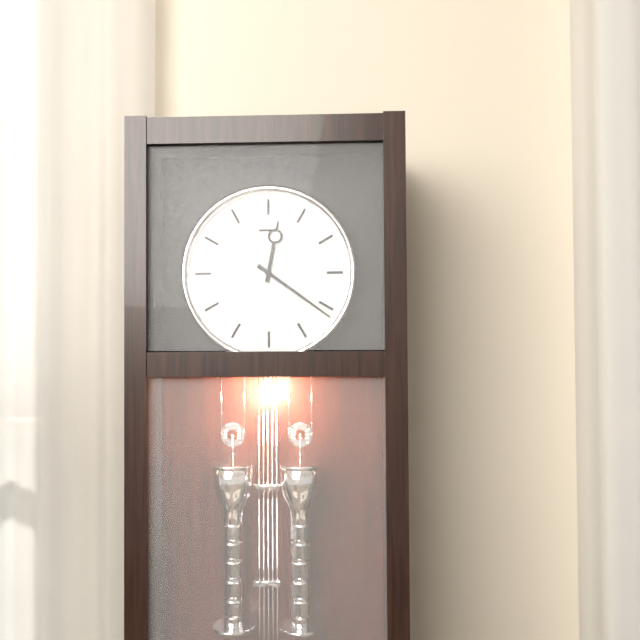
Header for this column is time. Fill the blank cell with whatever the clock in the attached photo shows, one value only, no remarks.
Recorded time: 12:21
